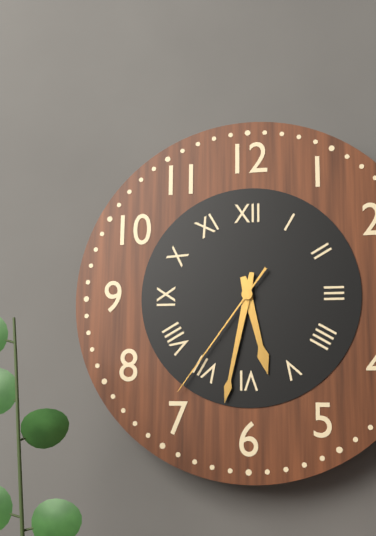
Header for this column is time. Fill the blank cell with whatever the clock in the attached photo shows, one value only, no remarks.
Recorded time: 5:32:36
